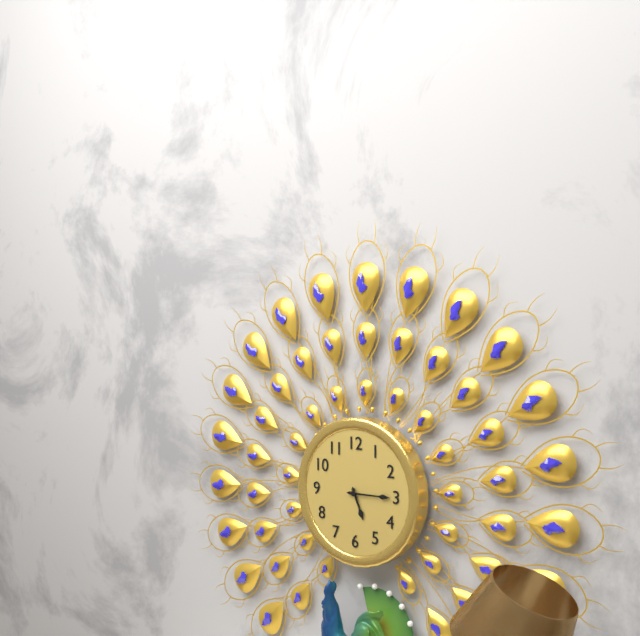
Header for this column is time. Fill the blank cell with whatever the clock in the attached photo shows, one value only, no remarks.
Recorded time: 5:15
